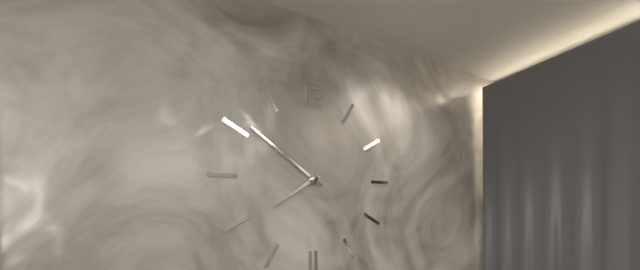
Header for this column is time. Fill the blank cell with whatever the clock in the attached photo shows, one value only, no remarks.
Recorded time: 7:51
